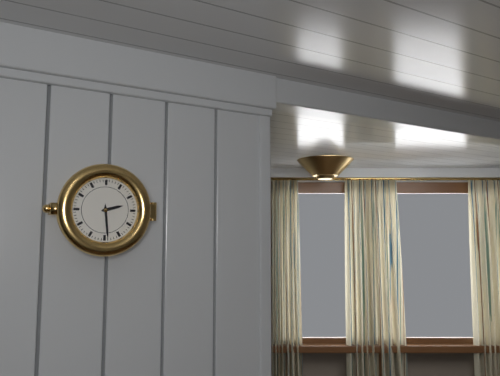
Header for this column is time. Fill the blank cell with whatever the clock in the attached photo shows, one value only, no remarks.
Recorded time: 2:29
